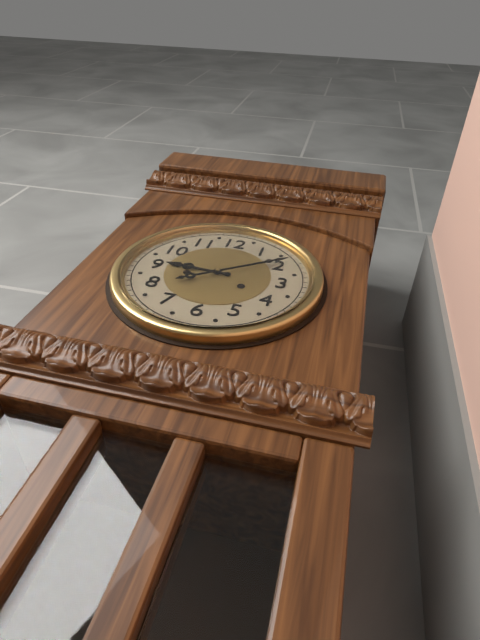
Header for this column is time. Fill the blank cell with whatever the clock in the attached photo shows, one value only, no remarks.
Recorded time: 9:09
